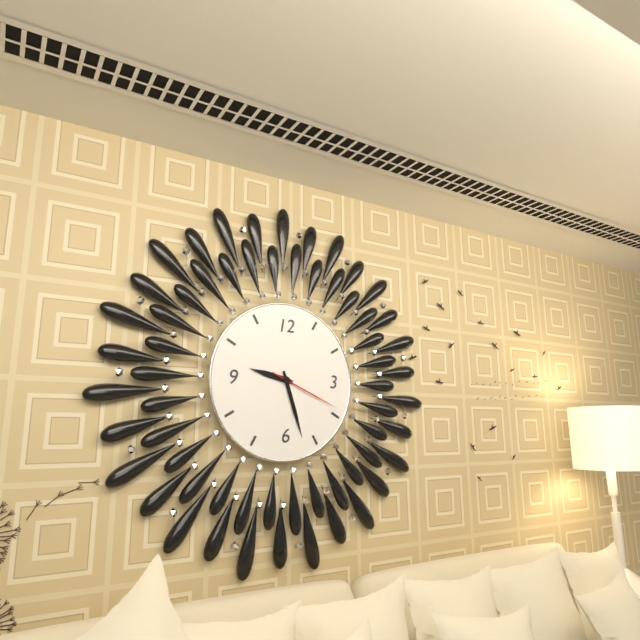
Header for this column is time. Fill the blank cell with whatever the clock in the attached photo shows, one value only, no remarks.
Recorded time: 9:27:19
